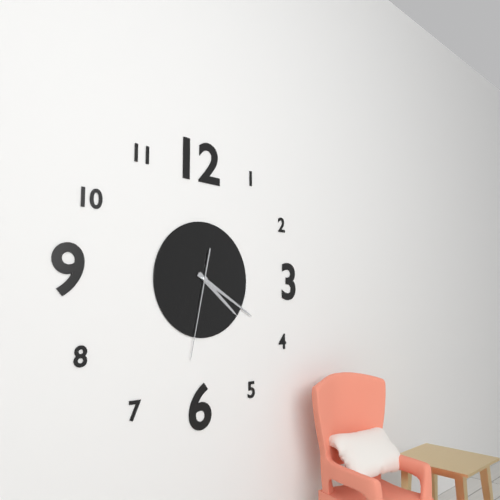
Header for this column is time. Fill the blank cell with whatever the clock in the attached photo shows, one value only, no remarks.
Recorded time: 4:20:32
